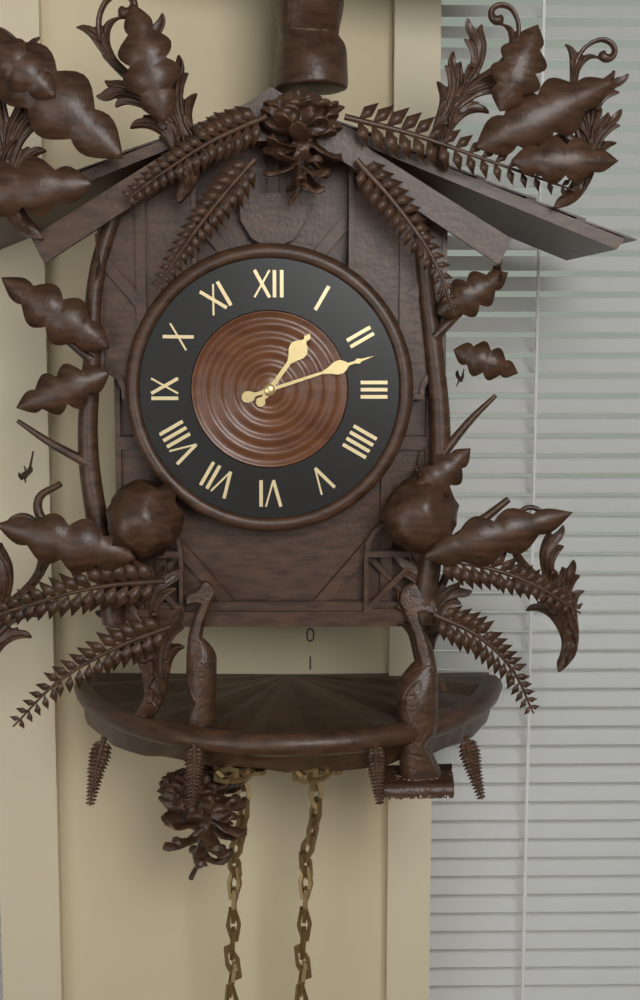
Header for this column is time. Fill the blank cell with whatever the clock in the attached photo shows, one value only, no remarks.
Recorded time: 1:12
